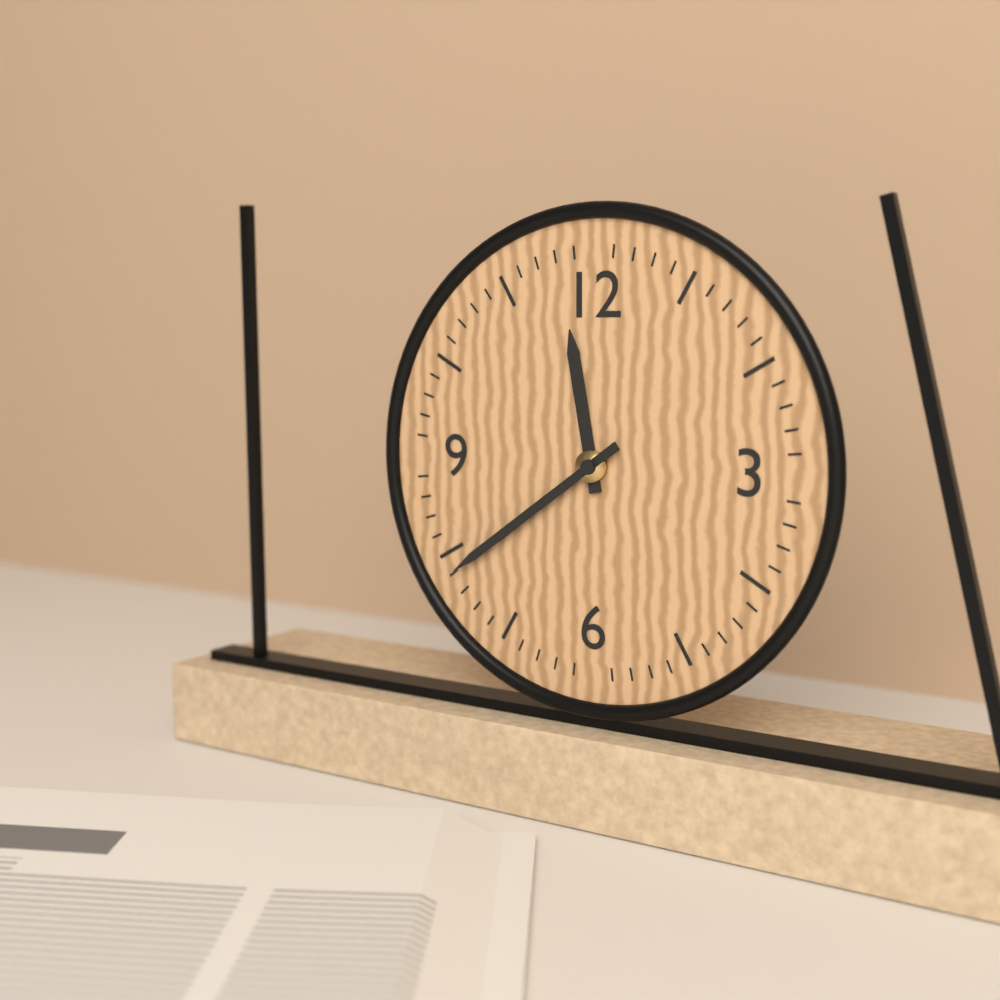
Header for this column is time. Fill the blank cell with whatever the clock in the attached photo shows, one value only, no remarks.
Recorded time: 11:39
